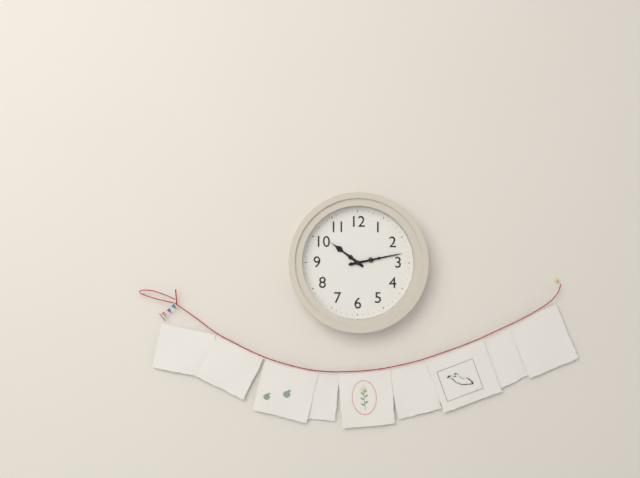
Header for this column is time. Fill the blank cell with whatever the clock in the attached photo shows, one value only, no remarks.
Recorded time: 10:13
